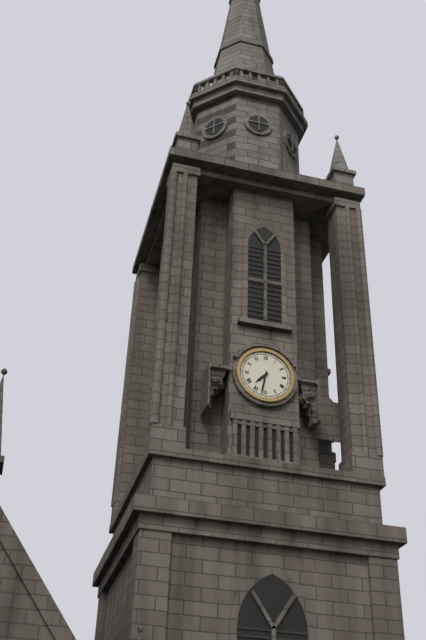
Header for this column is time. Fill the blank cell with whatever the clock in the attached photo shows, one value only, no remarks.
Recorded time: 7:32
